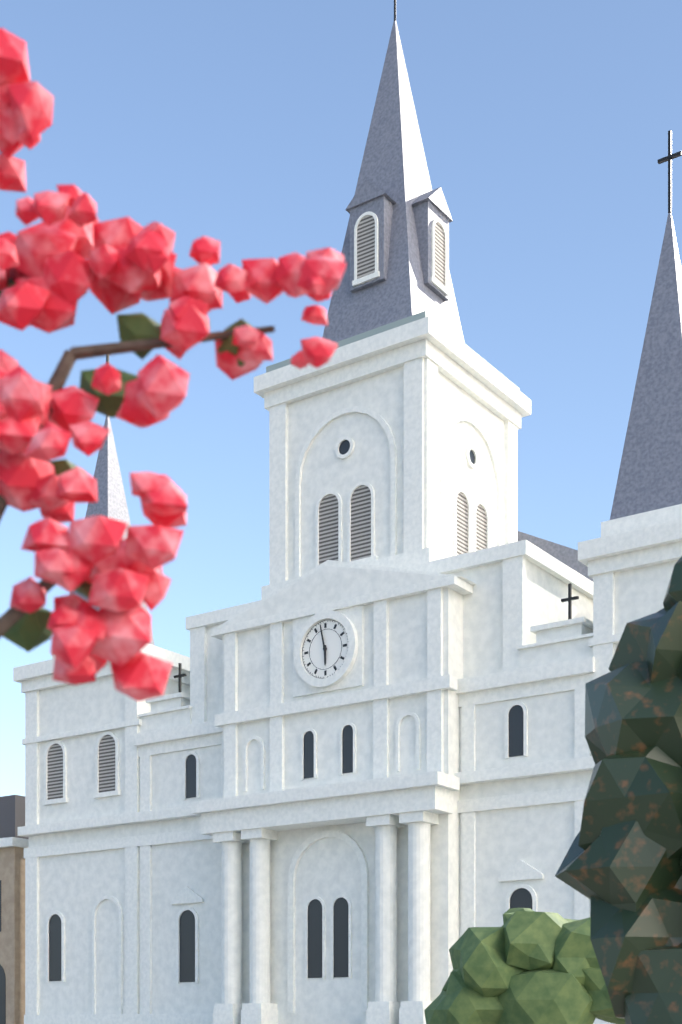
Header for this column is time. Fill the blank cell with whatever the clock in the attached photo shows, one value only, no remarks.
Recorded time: 5:58
